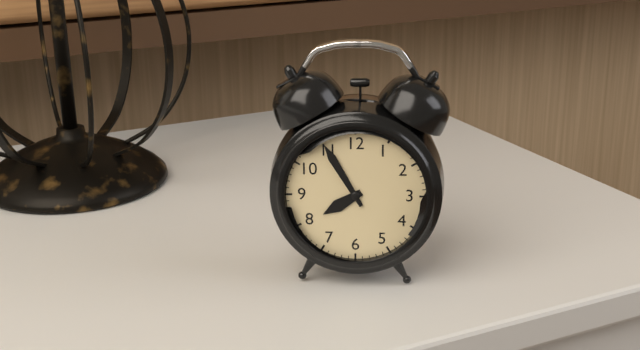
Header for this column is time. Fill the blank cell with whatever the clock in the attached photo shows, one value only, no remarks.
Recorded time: 7:55
